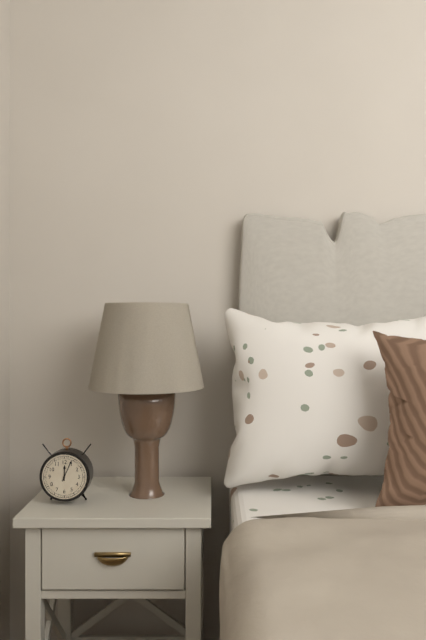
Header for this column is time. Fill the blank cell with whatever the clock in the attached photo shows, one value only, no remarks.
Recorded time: 12:04
